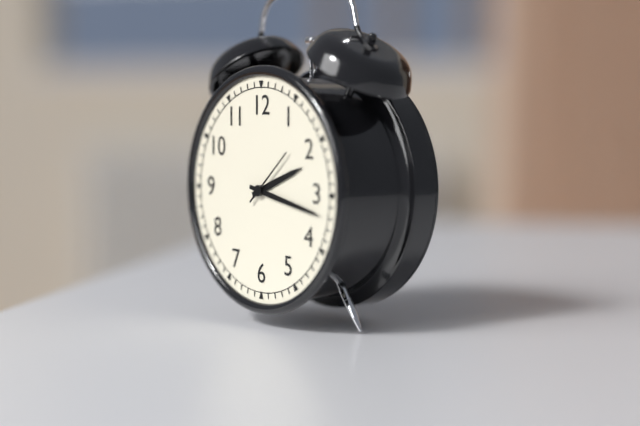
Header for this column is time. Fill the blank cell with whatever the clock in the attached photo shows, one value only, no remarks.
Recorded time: 2:17:08
